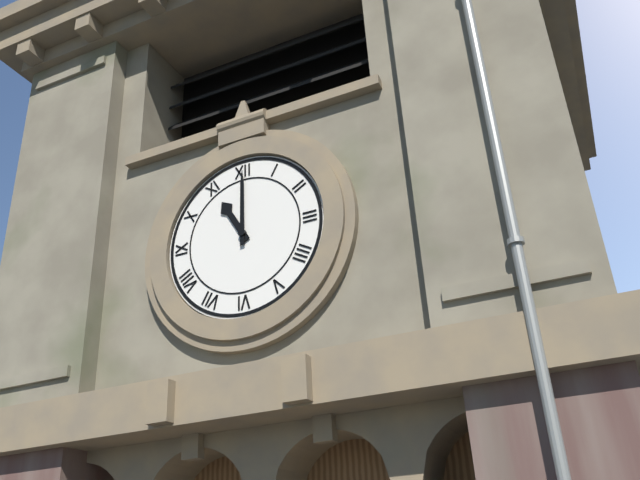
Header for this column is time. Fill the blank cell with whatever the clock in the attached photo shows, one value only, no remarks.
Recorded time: 11:00
